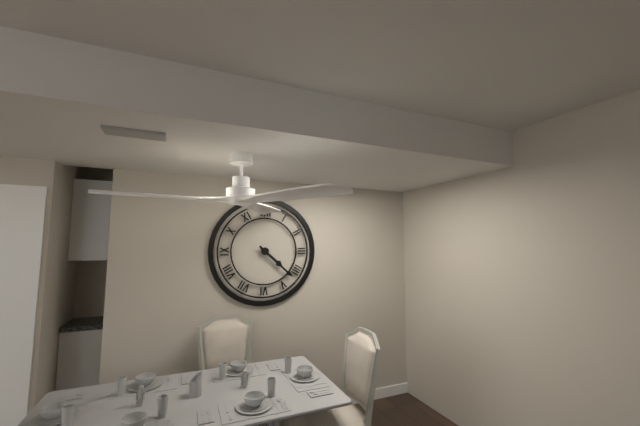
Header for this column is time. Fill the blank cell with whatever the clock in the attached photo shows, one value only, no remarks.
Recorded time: 4:22
